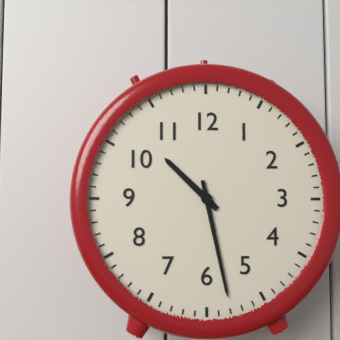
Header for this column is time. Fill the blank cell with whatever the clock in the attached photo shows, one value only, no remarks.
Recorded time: 10:28
